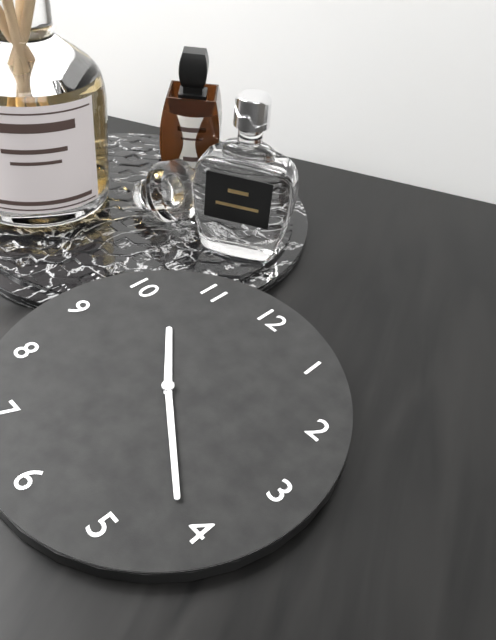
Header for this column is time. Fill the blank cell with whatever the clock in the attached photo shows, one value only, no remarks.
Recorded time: 10:21
